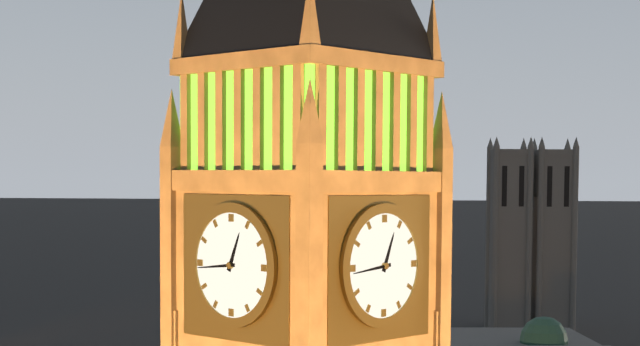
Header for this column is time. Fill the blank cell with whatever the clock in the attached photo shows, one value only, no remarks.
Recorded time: 12:44
